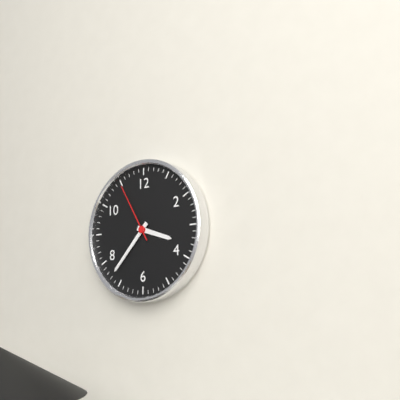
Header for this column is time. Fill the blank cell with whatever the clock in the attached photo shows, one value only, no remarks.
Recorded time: 3:37:55
